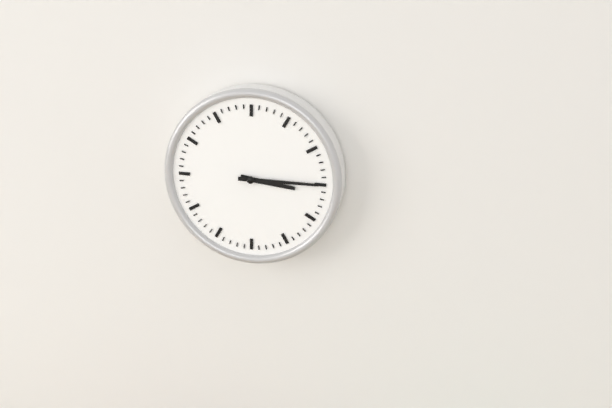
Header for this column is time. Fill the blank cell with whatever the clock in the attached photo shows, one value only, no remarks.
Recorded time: 3:15
